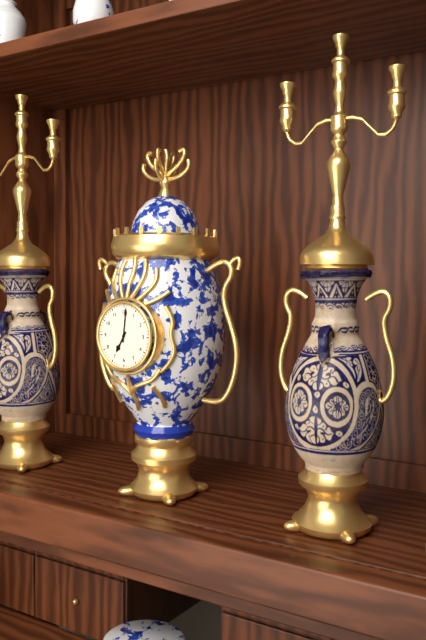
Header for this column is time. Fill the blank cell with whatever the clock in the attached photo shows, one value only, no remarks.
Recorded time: 7:01
